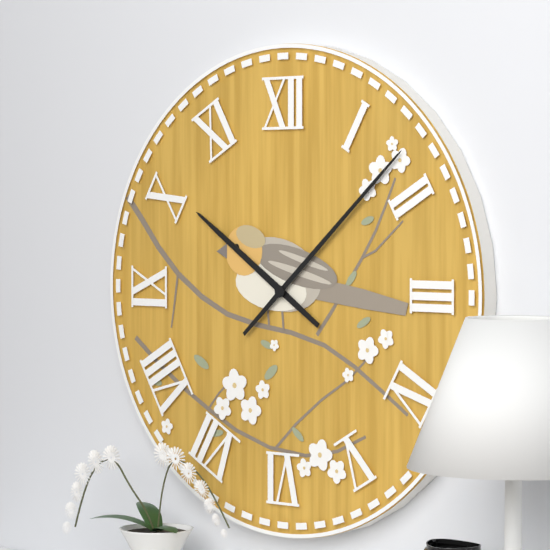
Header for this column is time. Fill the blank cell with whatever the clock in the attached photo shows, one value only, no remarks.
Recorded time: 10:08
